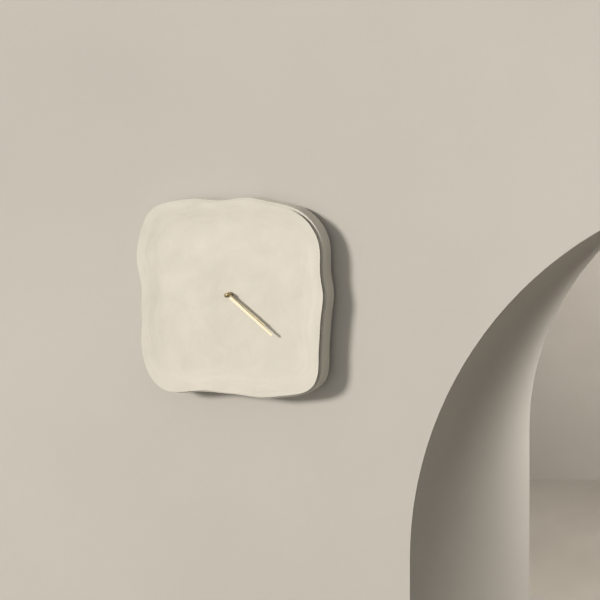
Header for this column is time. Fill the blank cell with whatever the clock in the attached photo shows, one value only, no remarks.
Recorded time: 4:22
